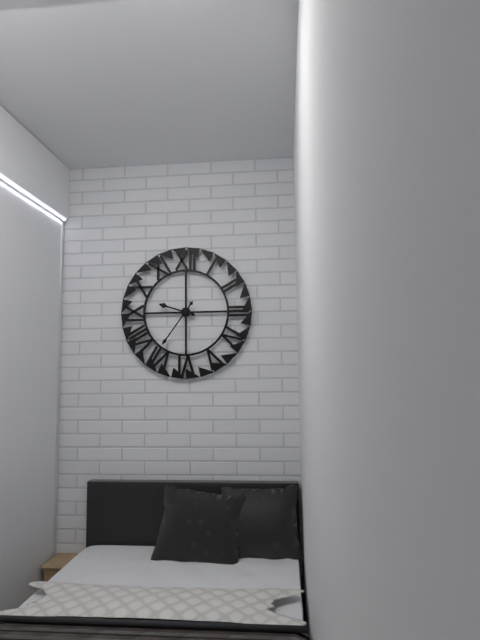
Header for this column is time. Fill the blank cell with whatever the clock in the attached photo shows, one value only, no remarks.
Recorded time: 9:36
